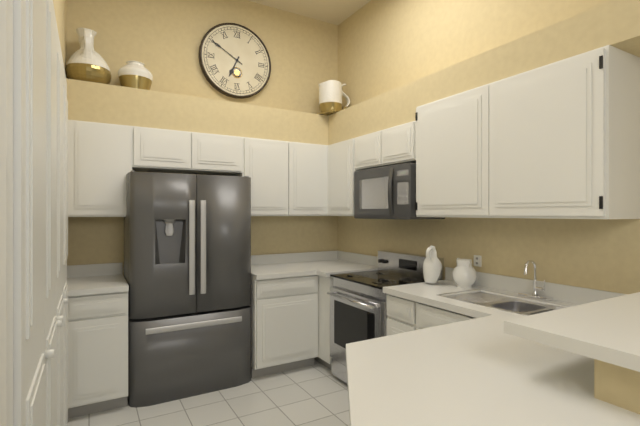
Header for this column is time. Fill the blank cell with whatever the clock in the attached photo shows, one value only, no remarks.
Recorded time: 6:50
